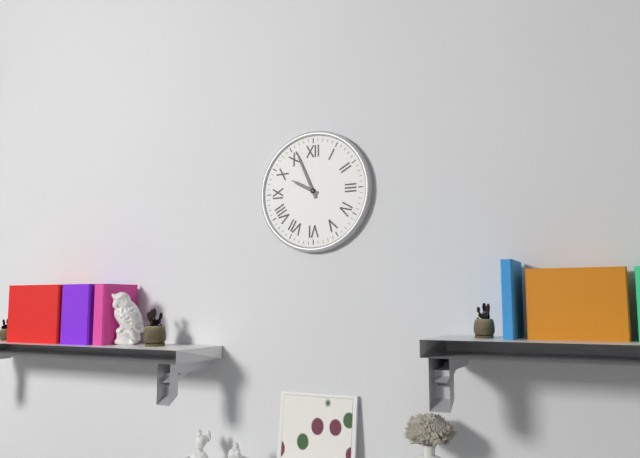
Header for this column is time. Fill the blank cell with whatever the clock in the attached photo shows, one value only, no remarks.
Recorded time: 9:56
